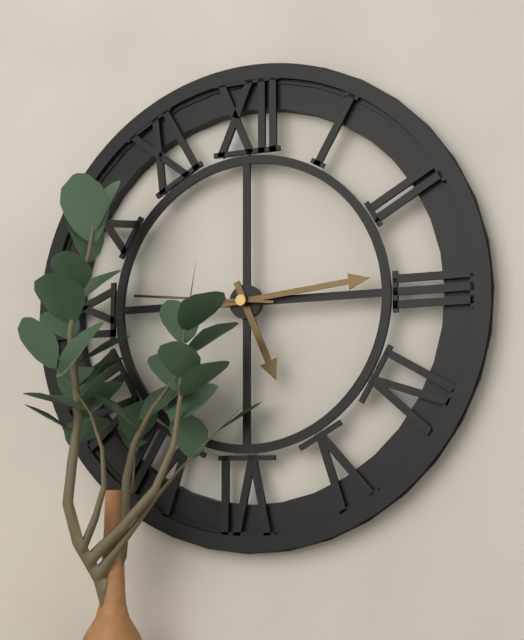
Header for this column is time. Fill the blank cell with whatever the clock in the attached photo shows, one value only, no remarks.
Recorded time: 5:14:46
